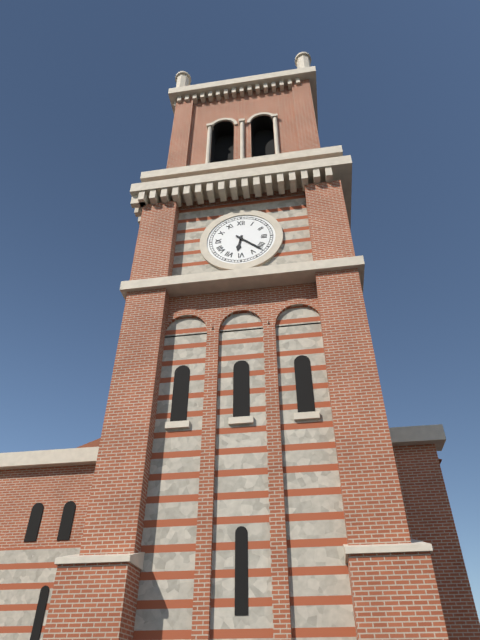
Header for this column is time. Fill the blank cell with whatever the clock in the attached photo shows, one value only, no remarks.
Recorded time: 6:22
